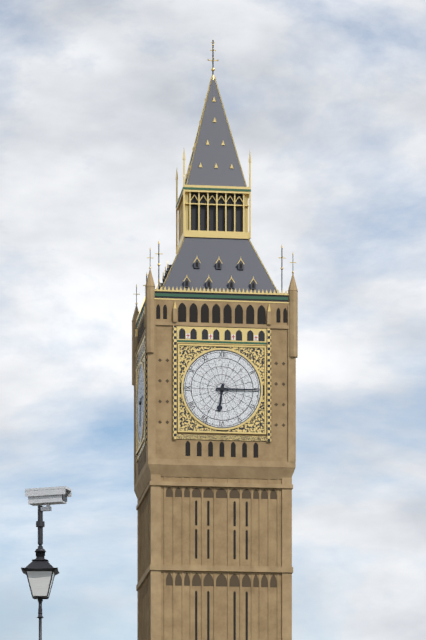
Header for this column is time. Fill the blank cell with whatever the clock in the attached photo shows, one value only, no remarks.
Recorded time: 6:15
